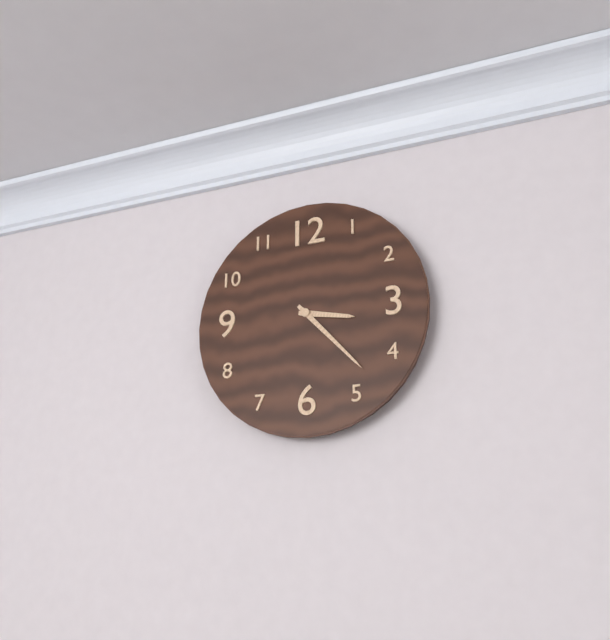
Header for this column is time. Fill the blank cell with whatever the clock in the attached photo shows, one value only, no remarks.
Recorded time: 3:23
